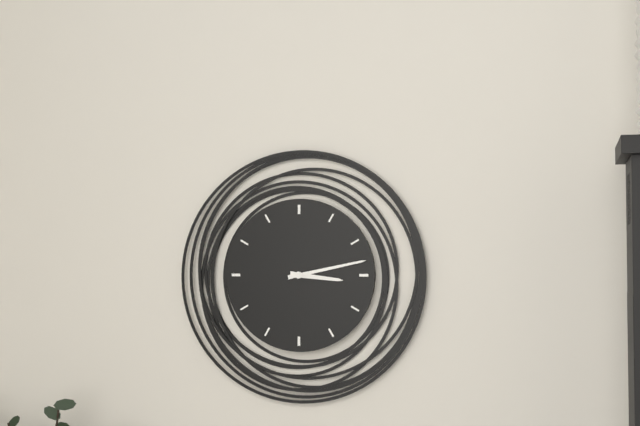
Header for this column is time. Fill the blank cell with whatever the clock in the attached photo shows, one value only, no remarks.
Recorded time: 3:13
